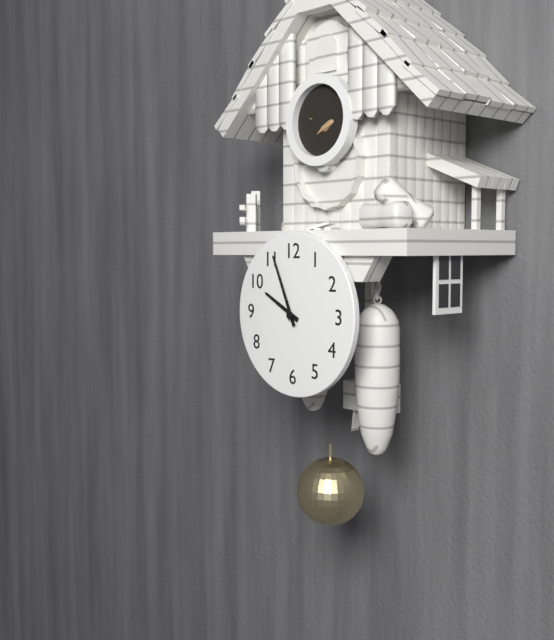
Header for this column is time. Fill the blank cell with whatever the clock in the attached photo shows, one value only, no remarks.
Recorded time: 9:56
